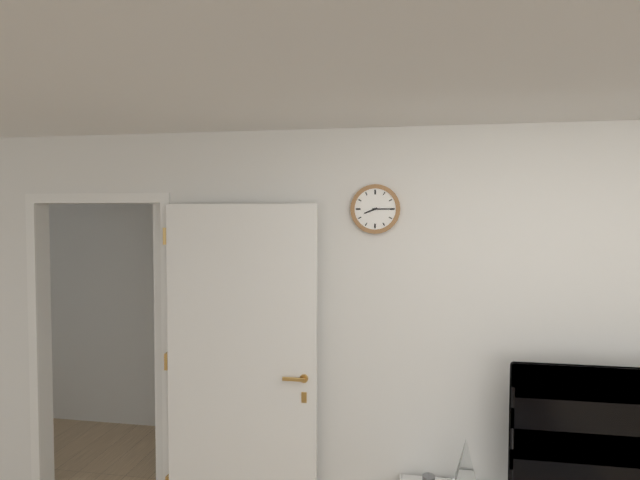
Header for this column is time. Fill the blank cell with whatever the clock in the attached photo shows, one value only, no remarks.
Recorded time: 8:15
